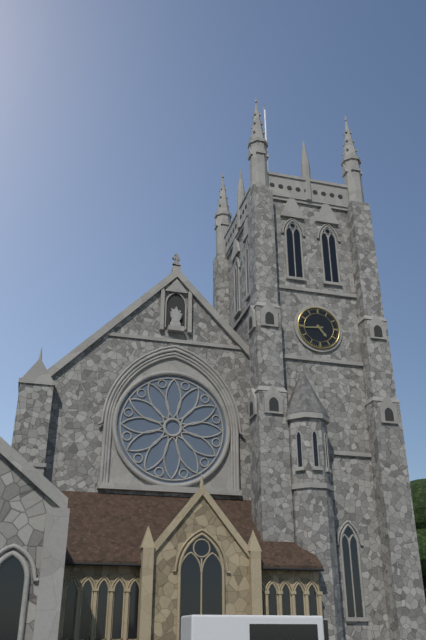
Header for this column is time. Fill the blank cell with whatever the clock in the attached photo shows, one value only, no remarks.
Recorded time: 4:44
